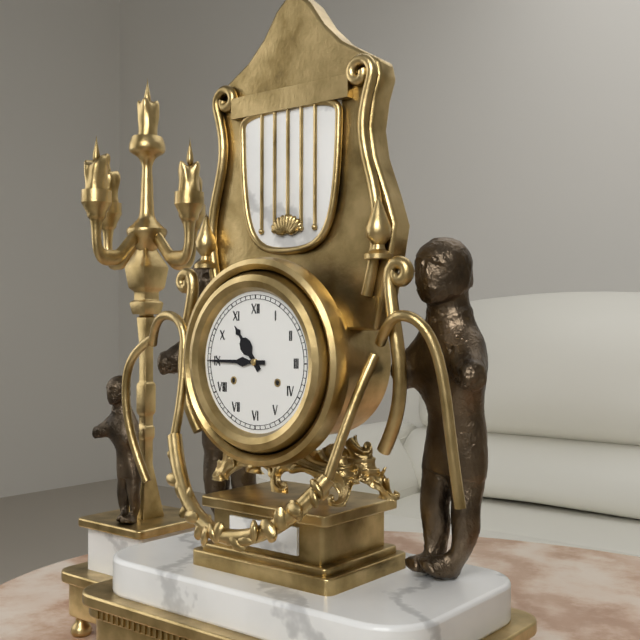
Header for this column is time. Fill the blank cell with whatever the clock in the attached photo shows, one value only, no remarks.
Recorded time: 10:45
